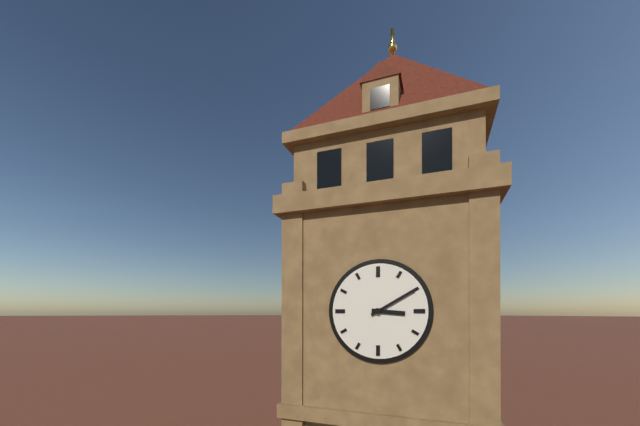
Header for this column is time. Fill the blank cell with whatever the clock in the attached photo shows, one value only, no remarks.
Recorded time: 3:10
